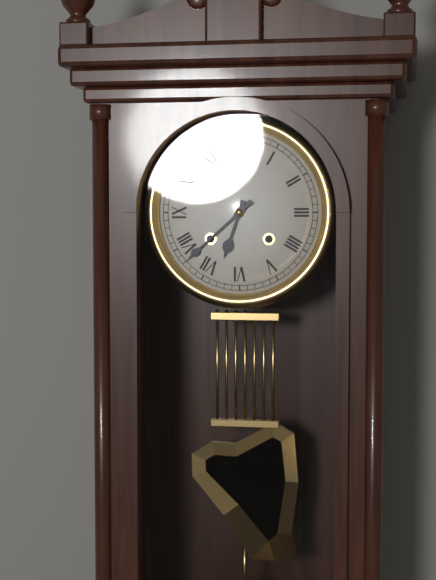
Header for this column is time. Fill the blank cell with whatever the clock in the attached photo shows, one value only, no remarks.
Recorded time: 6:38
